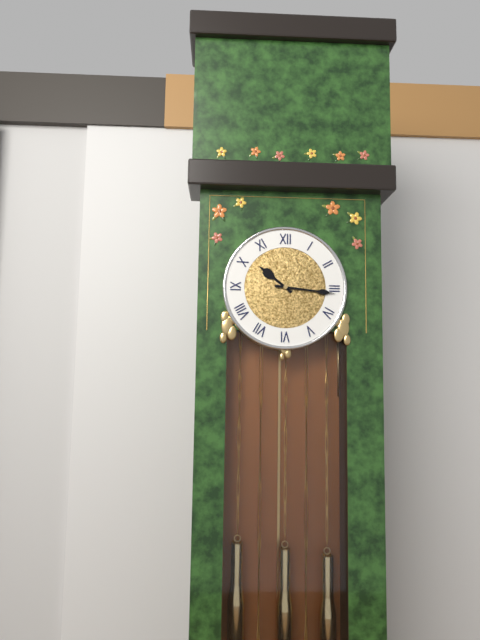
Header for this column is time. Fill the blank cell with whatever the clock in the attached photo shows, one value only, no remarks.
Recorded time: 10:16
